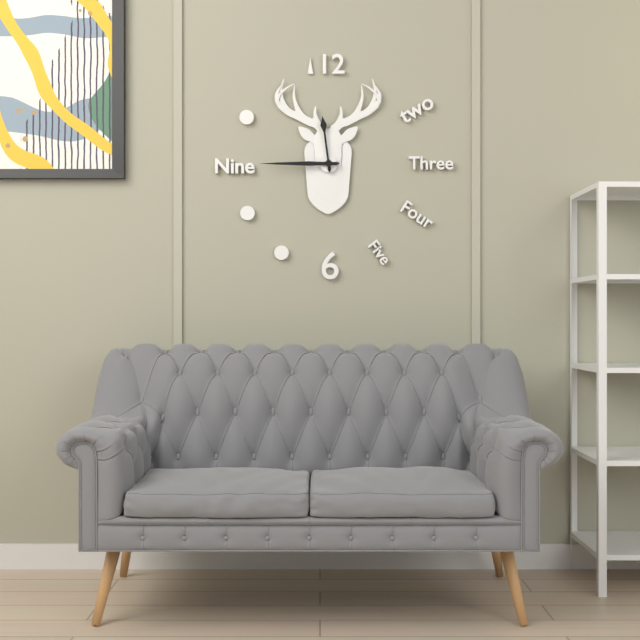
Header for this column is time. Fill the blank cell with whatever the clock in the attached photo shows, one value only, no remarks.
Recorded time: 11:45
